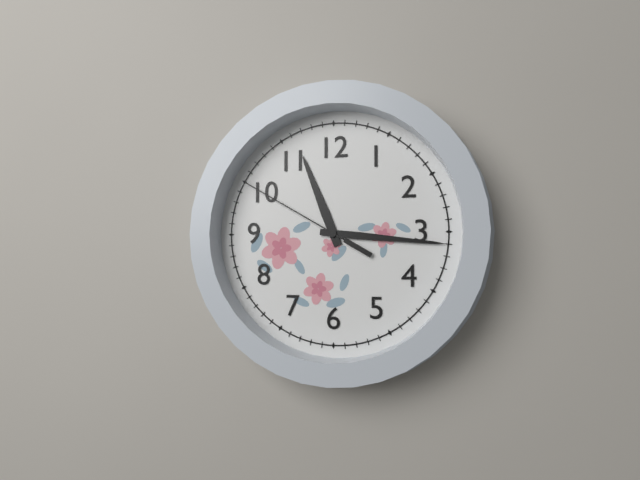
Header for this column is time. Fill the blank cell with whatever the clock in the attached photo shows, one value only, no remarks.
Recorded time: 11:16:50
